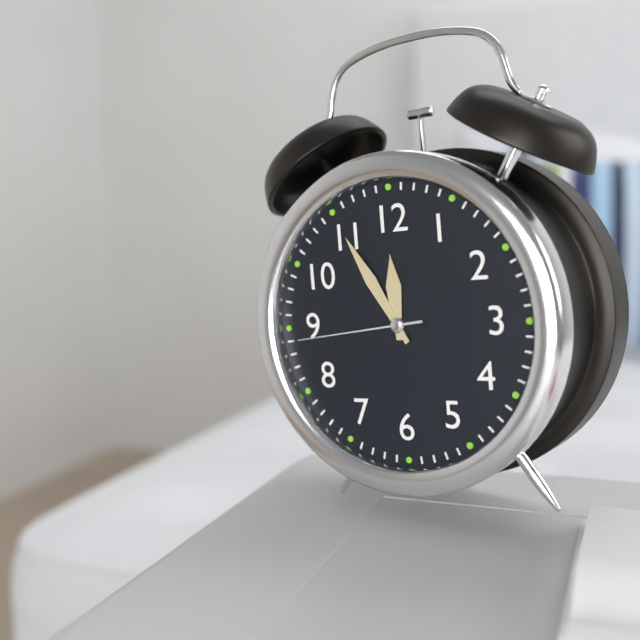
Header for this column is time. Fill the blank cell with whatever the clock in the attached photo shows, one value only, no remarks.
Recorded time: 11:55:44
